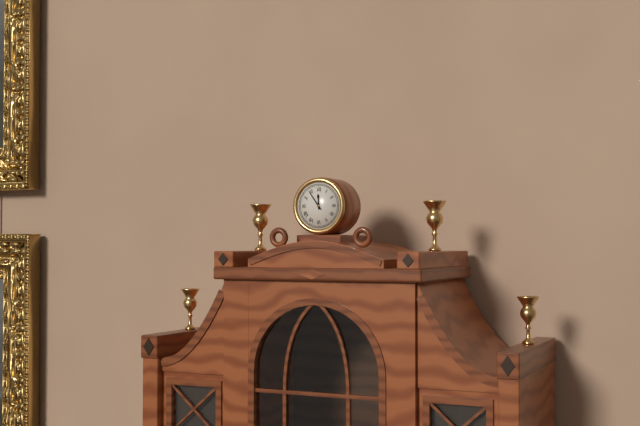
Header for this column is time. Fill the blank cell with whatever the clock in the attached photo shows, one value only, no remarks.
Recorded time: 11:54
